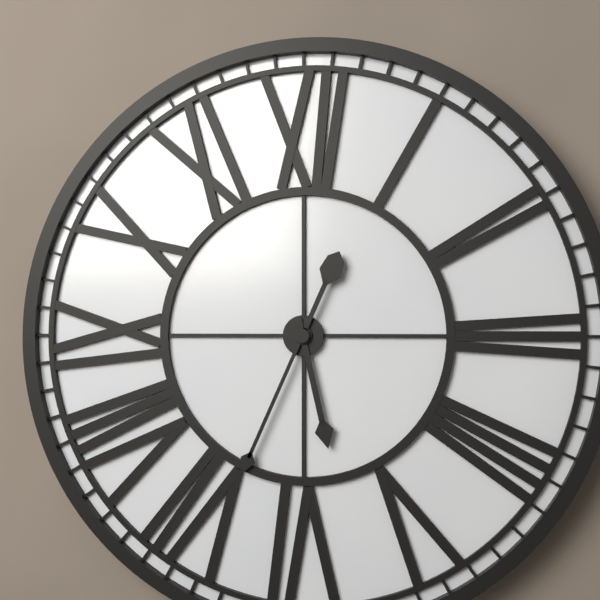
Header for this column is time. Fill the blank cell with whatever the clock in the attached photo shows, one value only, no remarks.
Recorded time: 5:34
